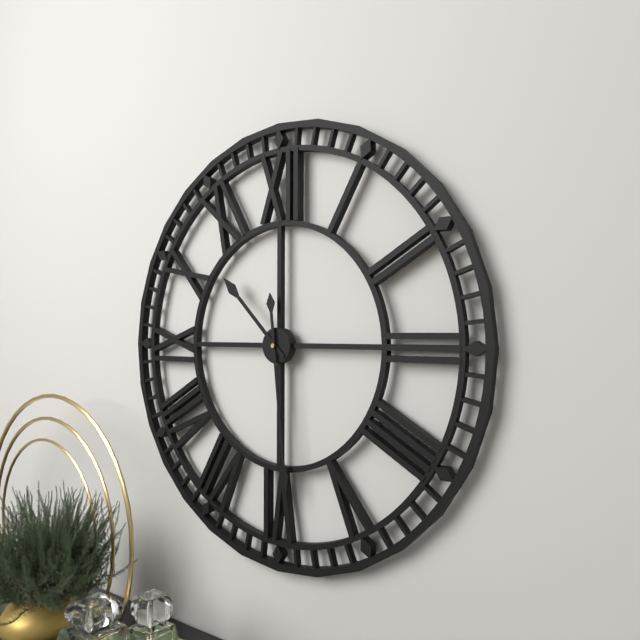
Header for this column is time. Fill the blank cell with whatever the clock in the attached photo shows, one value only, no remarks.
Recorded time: 10:29
